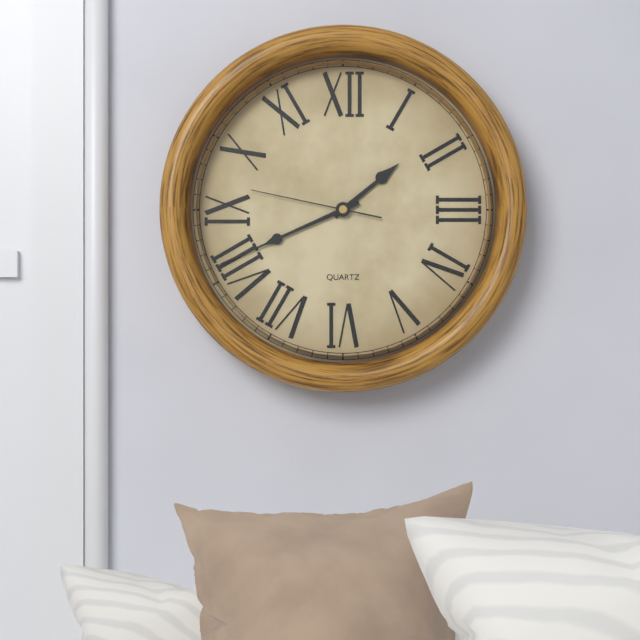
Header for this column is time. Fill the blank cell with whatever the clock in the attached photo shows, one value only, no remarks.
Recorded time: 1:41:47
